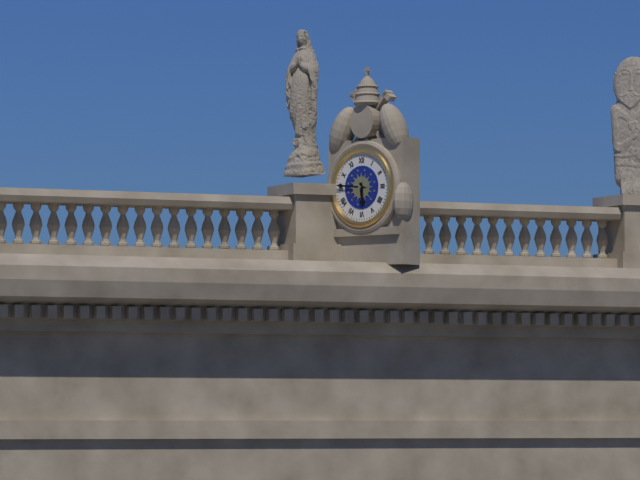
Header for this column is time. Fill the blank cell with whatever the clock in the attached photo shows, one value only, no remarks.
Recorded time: 5:46
